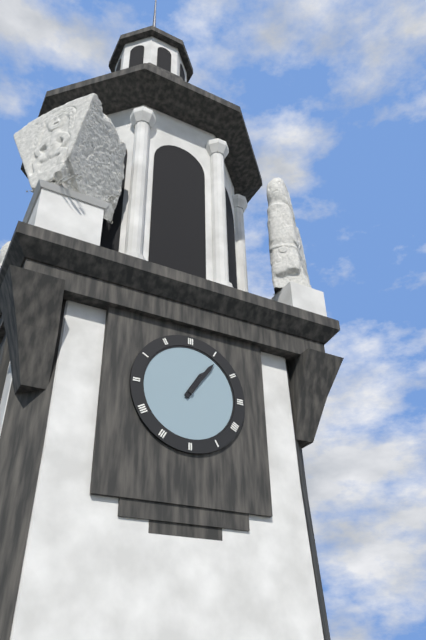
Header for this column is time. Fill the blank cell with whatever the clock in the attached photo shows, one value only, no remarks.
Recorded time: 1:06
